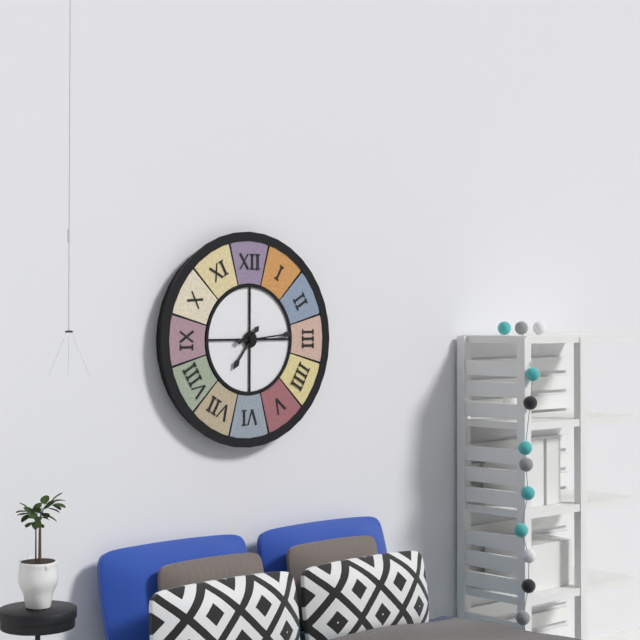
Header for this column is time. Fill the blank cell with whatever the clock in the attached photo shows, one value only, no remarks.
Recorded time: 7:14
